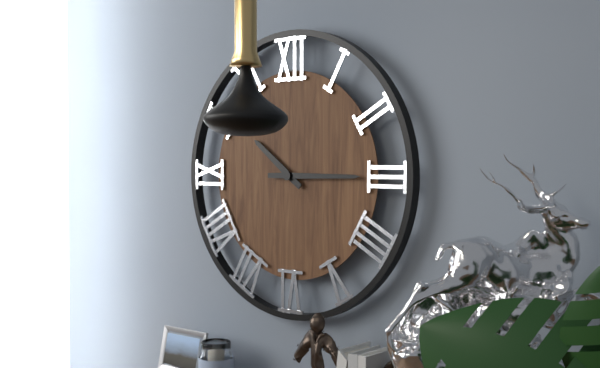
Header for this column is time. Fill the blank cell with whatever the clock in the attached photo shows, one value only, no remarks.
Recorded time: 10:15
